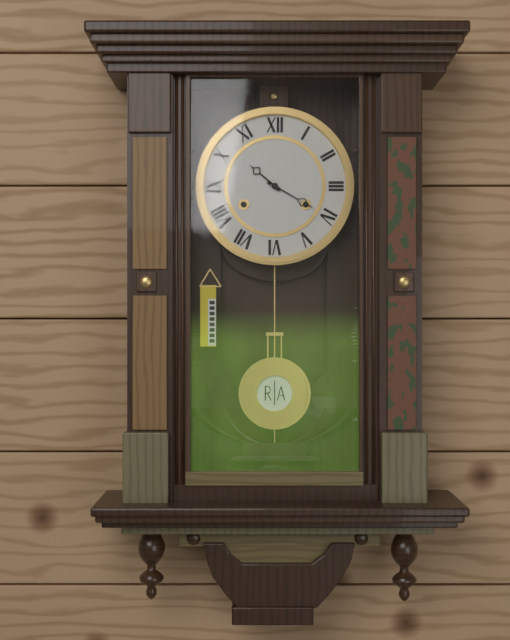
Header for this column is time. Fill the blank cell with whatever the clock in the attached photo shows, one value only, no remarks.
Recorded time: 10:20
